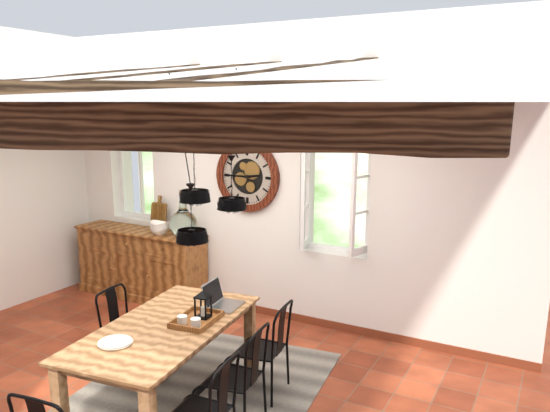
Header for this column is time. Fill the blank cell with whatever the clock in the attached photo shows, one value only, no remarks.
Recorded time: 2:45
